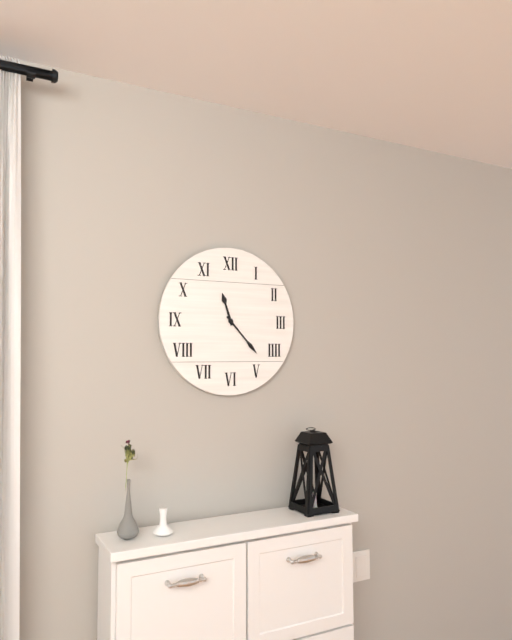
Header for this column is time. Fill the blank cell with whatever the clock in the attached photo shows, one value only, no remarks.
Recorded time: 11:23
